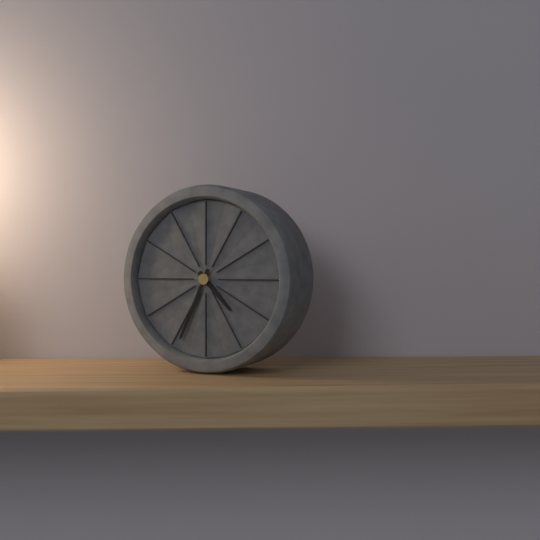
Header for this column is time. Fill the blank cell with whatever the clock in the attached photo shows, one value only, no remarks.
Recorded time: 4:34
